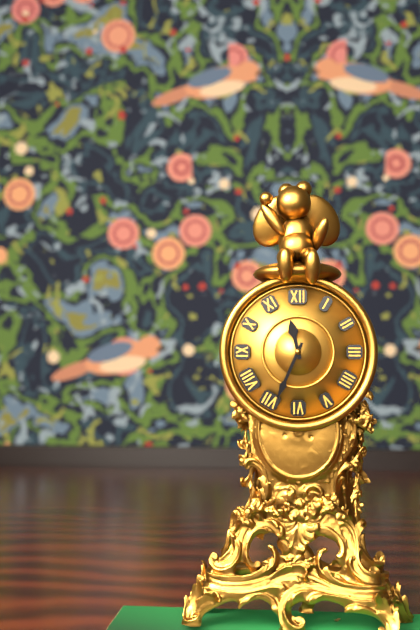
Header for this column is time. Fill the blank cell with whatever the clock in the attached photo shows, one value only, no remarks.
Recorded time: 11:34
